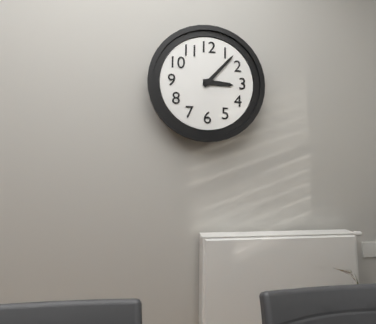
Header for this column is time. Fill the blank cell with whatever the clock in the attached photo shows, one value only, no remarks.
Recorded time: 3:07
